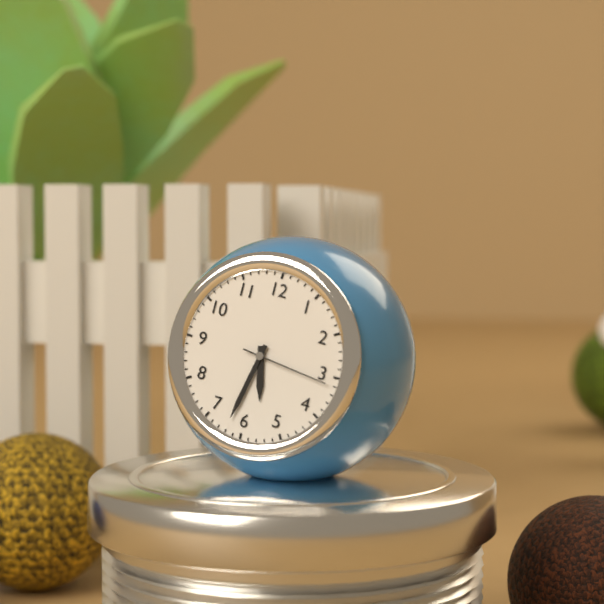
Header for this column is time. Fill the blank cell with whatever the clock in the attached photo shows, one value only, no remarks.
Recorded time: 5:32:16
